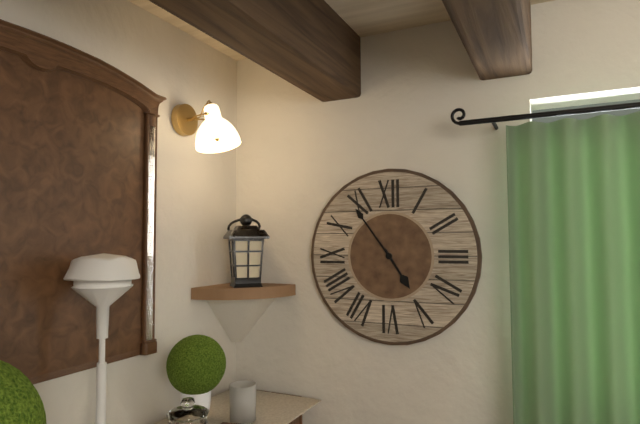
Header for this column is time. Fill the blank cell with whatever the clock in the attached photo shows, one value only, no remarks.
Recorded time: 4:54
